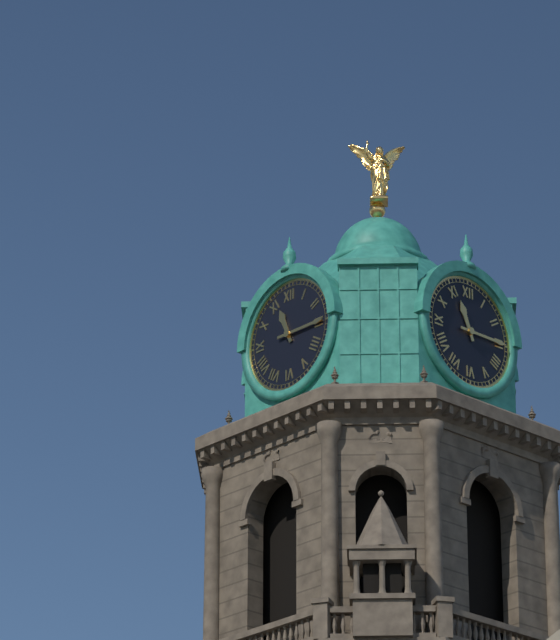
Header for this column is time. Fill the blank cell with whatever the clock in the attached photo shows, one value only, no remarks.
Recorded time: 11:15
